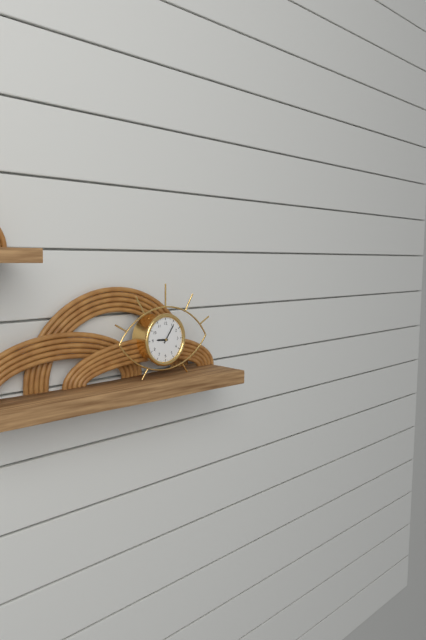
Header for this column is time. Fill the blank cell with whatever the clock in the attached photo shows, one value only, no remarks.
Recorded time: 9:06
